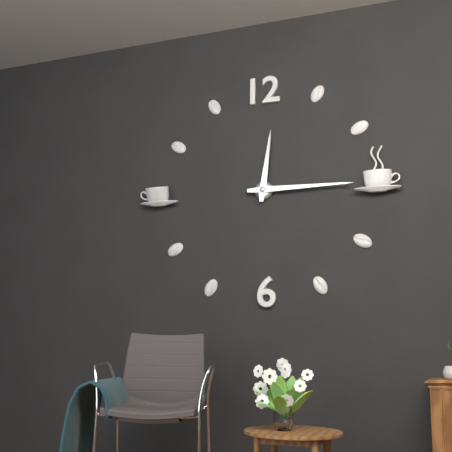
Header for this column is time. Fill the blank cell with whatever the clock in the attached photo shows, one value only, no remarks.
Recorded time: 12:15
